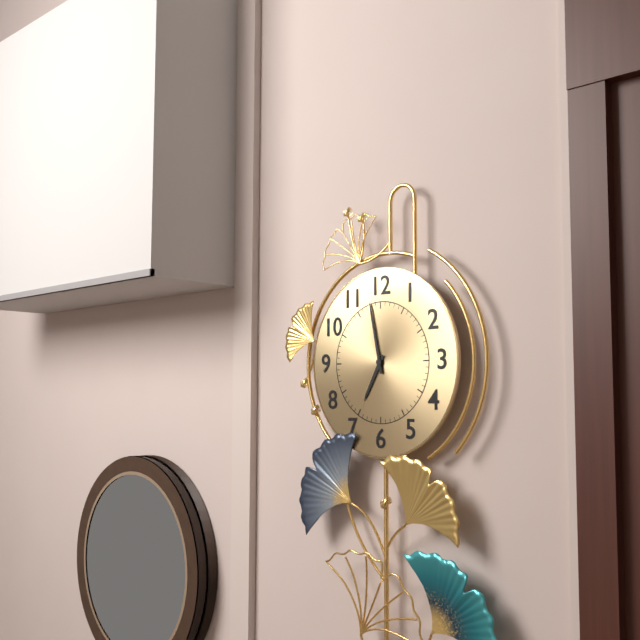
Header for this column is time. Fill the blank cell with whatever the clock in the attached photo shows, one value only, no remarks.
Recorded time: 6:58
